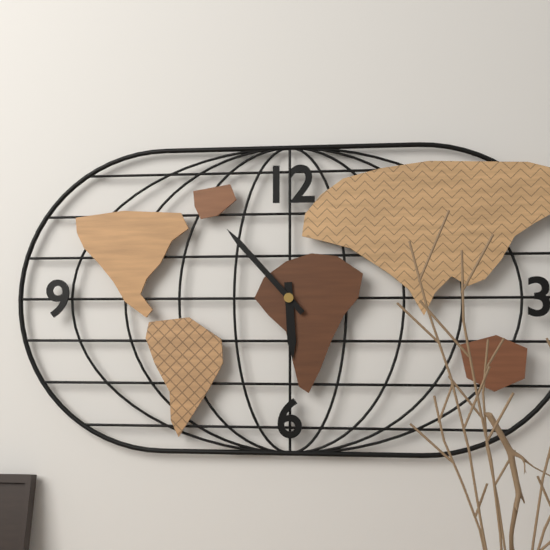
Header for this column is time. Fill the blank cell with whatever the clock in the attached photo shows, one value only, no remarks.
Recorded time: 5:53
